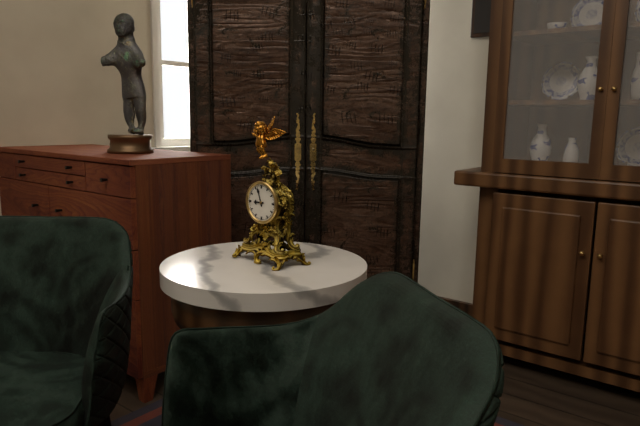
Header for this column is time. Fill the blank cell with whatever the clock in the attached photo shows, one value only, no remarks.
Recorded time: 8:57
